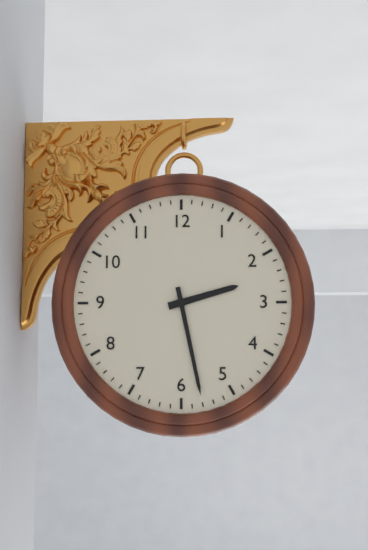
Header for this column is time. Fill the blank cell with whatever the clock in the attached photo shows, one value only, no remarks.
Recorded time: 2:28
